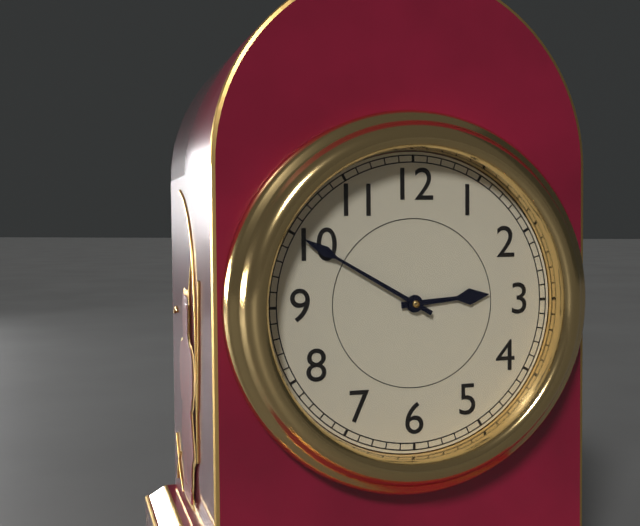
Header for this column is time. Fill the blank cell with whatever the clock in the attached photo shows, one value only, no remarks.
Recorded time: 2:50
